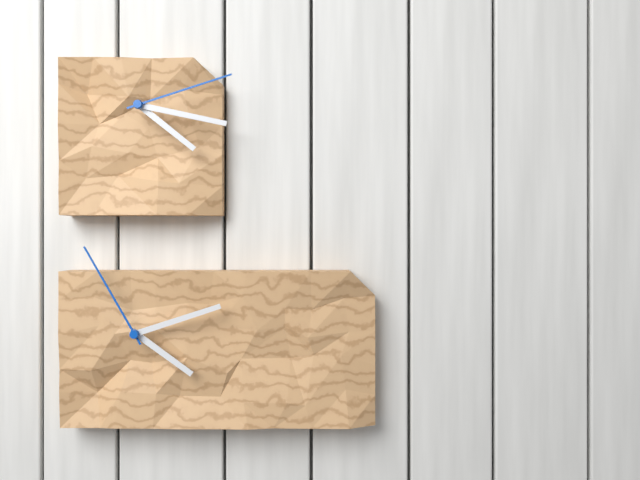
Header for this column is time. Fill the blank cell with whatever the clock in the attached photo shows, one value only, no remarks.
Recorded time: 4:17:12
